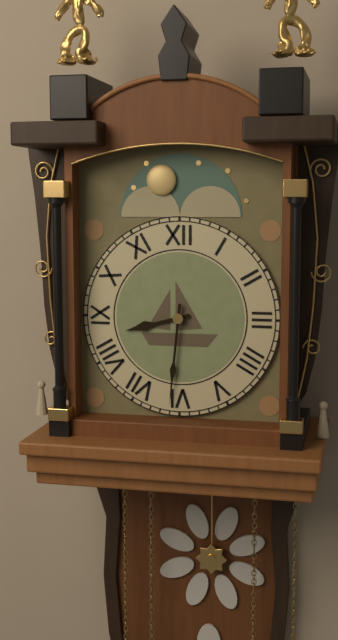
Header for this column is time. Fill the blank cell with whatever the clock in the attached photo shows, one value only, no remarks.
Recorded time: 8:31
